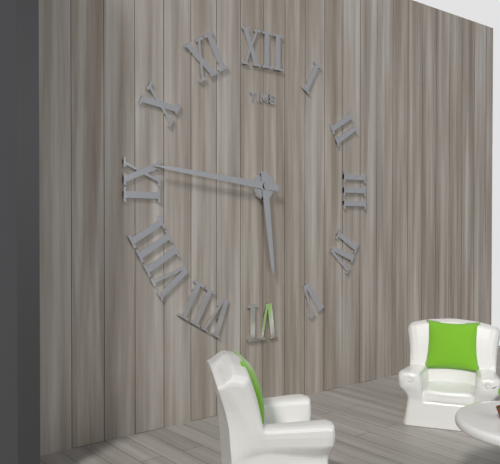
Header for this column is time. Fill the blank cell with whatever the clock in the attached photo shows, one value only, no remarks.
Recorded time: 5:46
